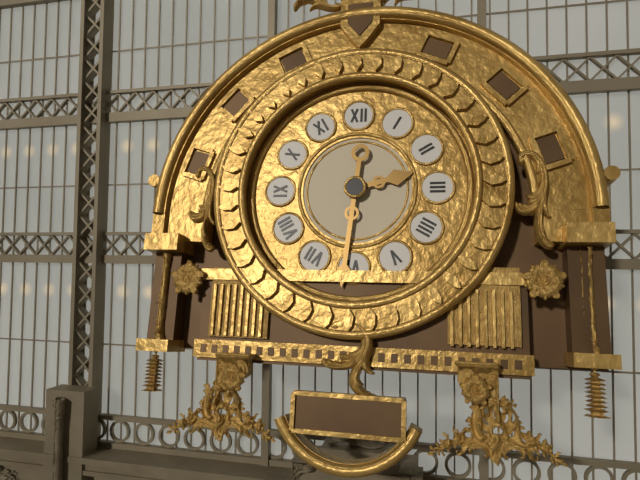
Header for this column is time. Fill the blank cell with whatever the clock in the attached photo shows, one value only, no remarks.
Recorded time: 2:31
